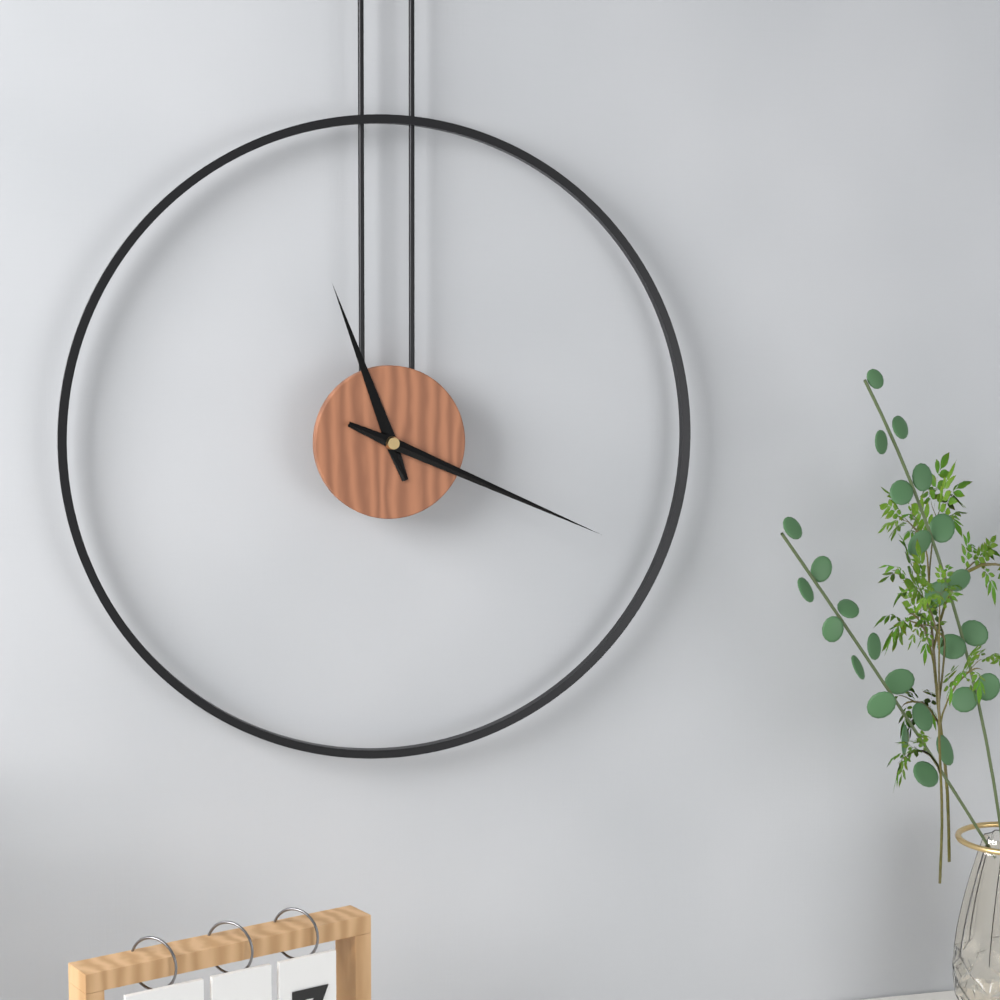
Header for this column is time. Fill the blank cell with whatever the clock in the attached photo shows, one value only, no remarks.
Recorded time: 11:19
